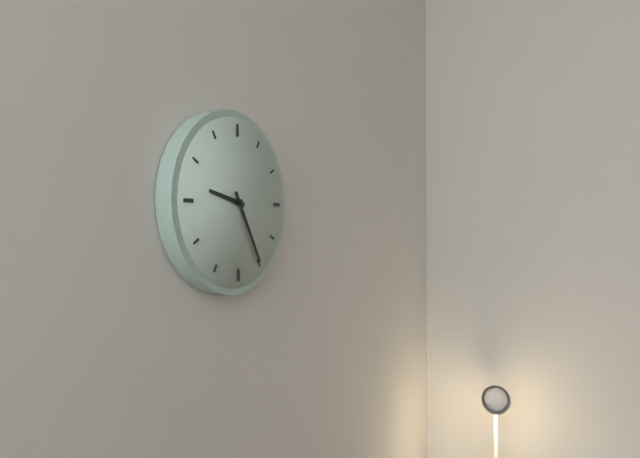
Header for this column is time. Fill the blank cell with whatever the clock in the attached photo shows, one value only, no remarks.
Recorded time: 9:25
